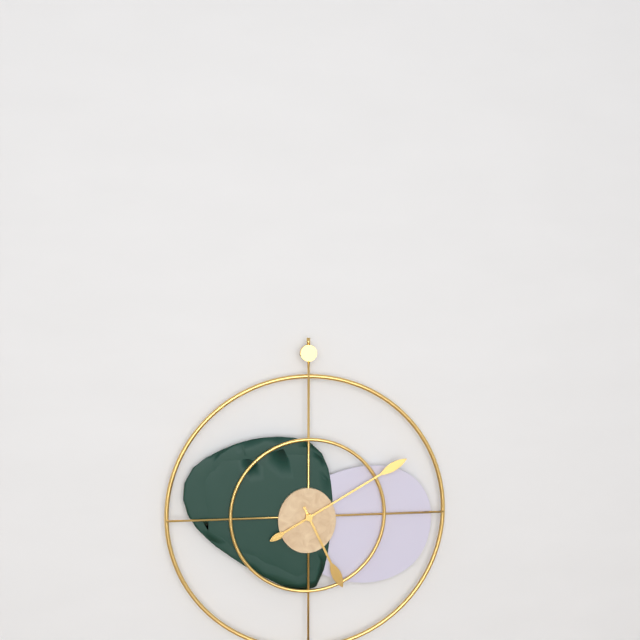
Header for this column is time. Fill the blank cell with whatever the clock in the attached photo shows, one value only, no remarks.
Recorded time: 5:10
